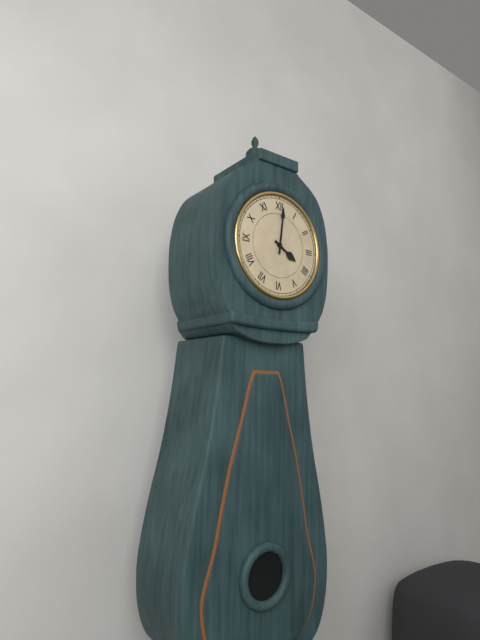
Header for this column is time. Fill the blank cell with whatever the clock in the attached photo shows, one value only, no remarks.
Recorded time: 4:01
